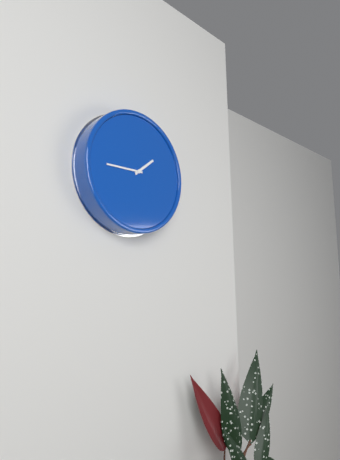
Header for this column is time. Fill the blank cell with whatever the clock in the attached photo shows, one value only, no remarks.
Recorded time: 1:45
